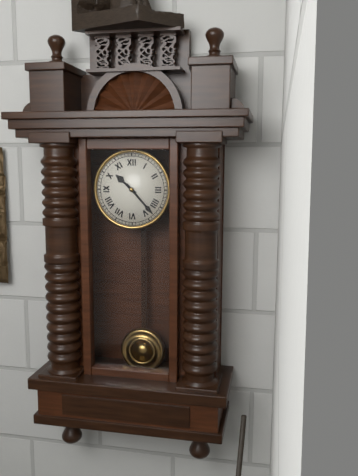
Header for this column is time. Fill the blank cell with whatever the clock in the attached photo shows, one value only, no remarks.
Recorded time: 10:23
